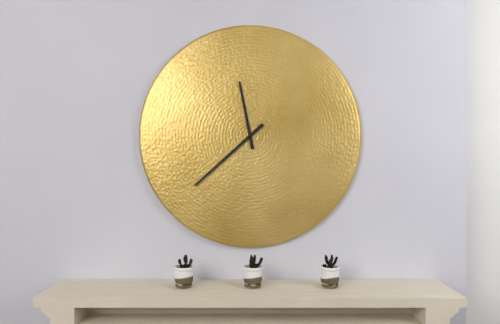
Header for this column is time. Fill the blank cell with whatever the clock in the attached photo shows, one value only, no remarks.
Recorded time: 11:38
